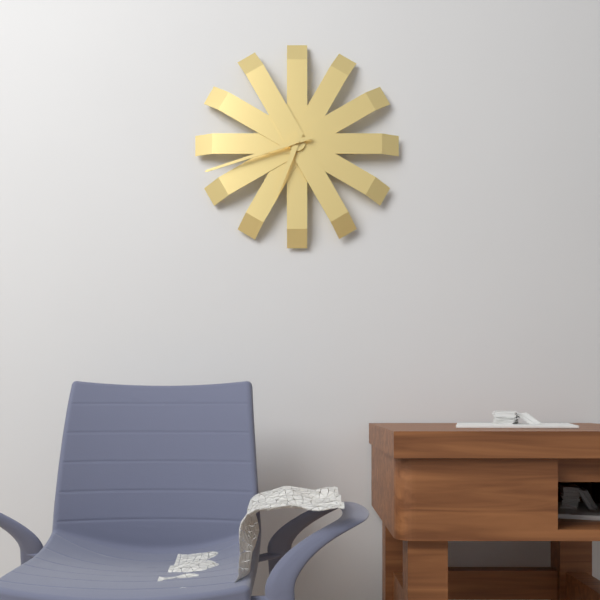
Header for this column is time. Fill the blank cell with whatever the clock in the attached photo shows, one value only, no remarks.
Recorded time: 6:42
